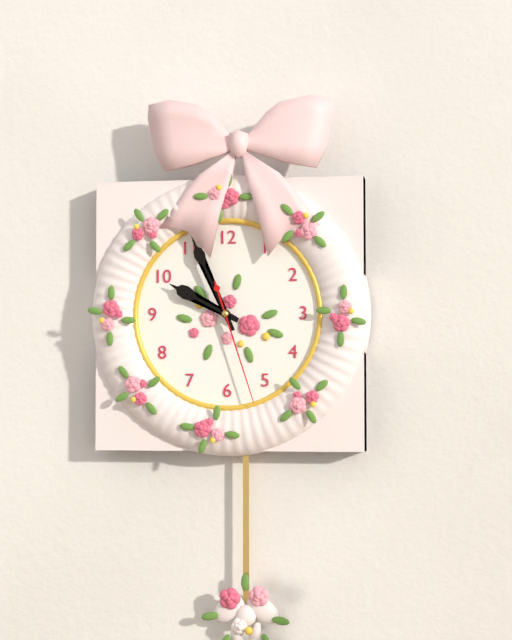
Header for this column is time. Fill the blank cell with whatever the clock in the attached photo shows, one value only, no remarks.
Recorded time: 9:56:27
